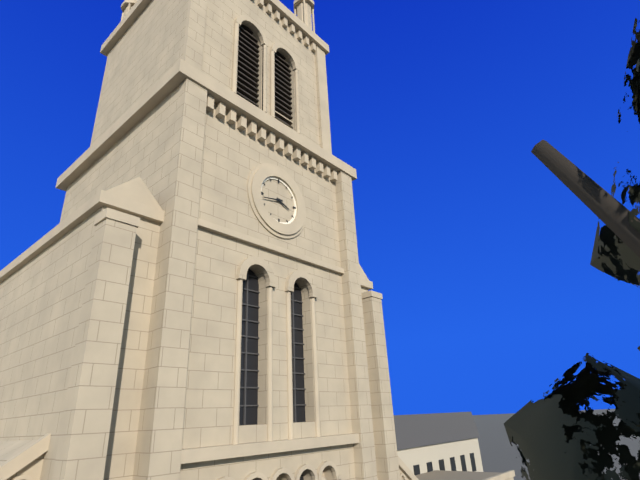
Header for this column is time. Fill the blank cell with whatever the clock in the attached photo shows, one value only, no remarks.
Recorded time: 3:43
